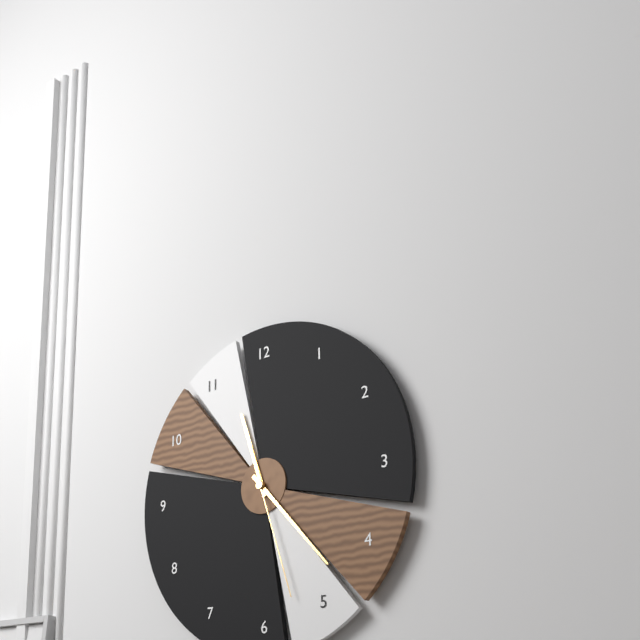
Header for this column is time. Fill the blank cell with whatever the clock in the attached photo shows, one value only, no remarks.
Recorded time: 11:23:27
